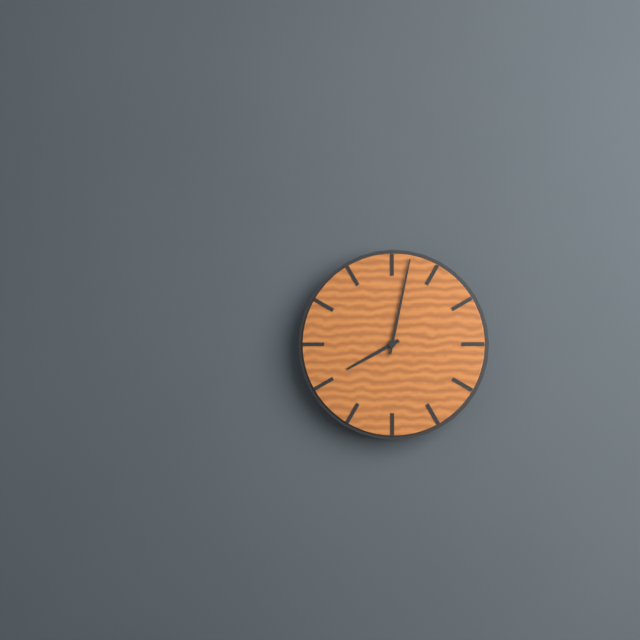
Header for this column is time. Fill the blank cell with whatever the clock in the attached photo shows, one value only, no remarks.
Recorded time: 8:02
